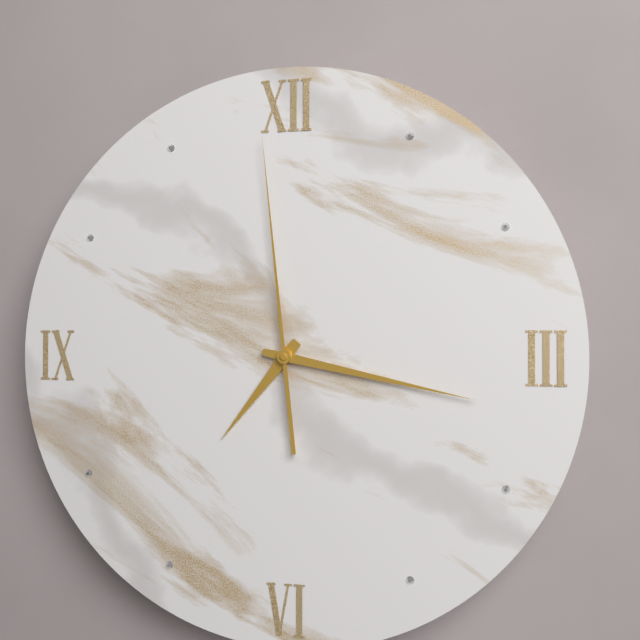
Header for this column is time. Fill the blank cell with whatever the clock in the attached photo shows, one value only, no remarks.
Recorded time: 7:17:59
